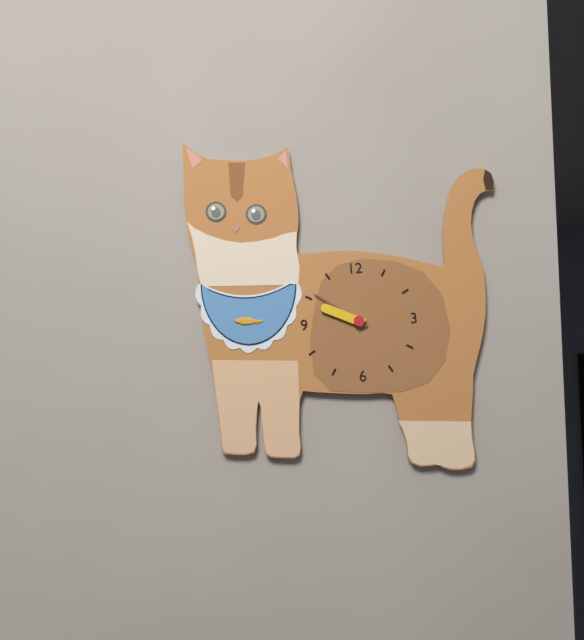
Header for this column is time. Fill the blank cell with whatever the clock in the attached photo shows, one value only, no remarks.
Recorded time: 9:51
